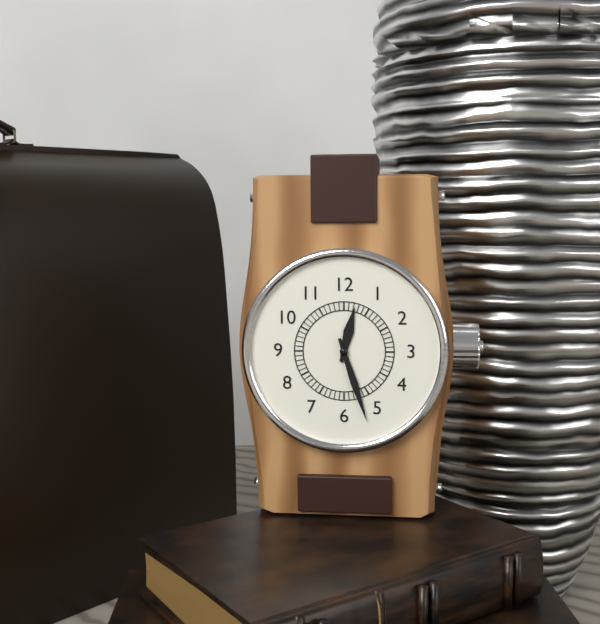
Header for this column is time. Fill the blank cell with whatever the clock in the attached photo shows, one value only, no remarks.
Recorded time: 12:27
